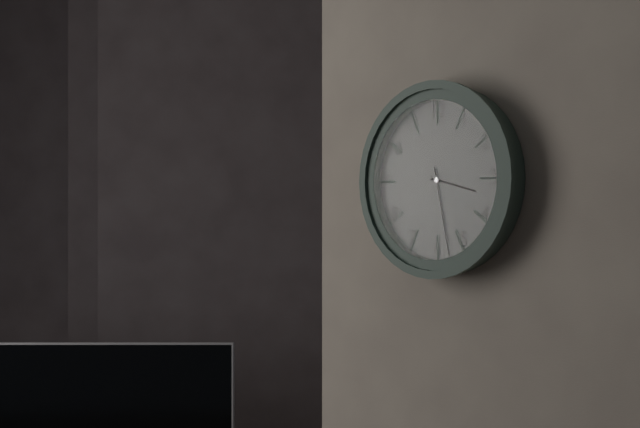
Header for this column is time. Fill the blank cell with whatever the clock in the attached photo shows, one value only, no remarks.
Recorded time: 3:28
